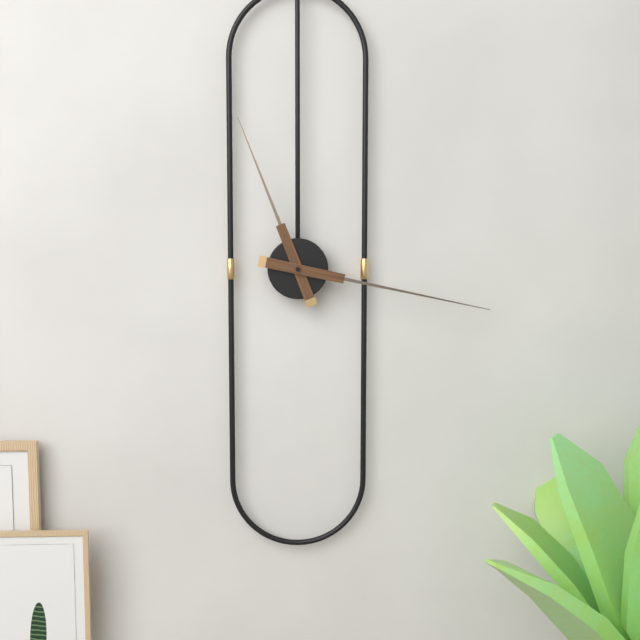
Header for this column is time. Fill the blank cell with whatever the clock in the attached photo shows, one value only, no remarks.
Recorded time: 11:17
